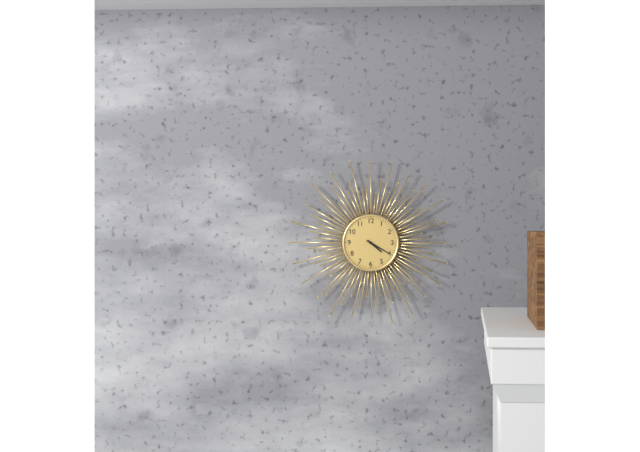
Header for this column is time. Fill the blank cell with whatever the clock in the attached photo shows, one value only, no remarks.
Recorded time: 4:20
